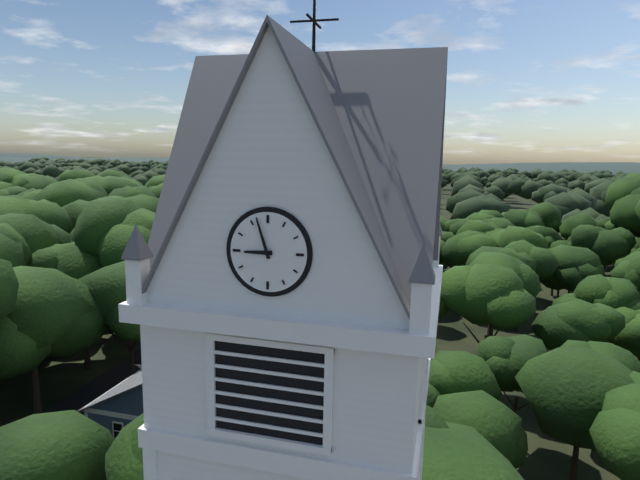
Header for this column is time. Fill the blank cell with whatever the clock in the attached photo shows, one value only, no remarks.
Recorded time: 8:57
